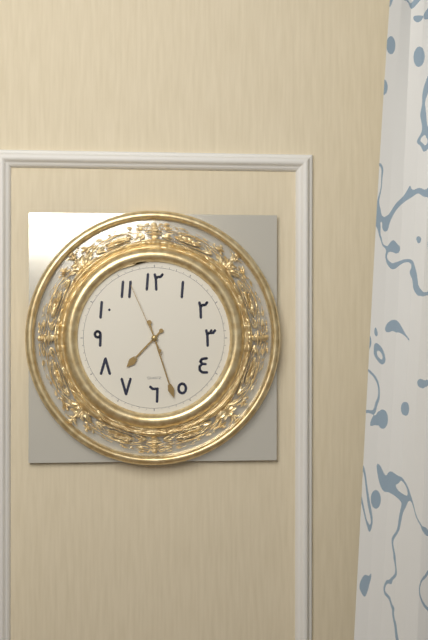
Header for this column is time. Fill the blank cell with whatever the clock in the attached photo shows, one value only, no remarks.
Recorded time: 7:27:56
